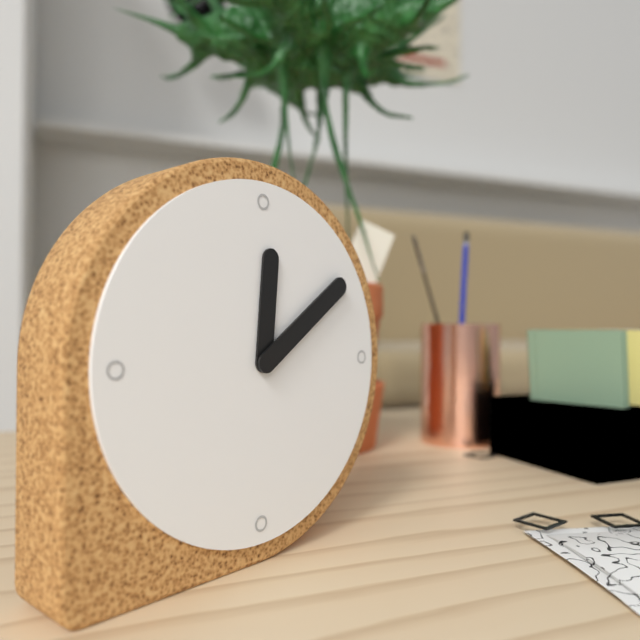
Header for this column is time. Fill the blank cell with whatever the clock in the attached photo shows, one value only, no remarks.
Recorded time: 12:09
